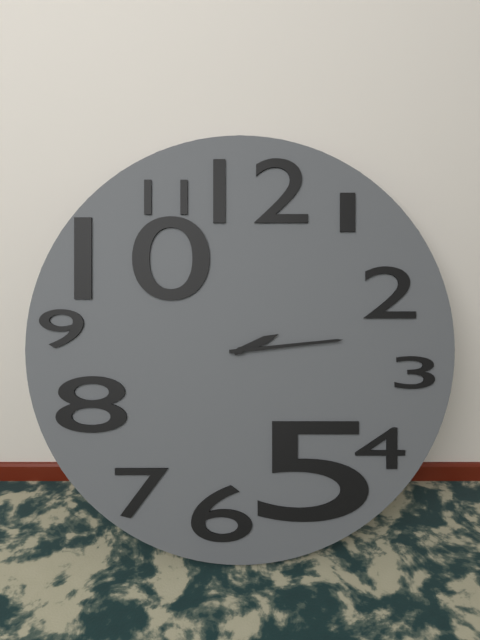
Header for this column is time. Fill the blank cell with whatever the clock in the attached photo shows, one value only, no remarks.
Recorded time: 2:14
